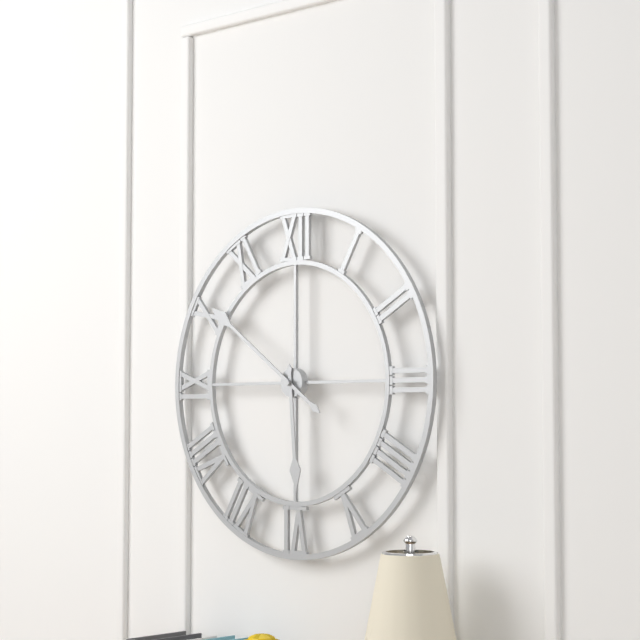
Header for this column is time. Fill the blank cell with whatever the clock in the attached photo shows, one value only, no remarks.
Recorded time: 5:51
